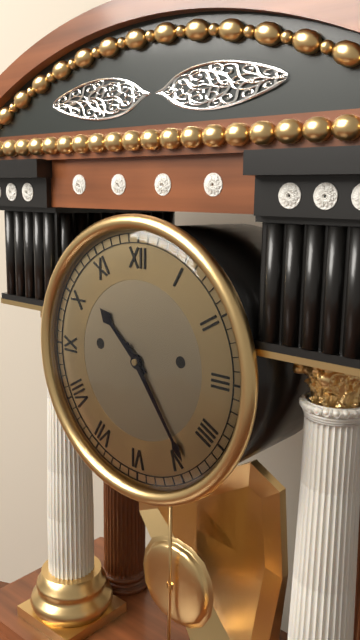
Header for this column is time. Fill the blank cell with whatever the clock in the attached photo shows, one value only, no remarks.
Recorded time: 10:24
